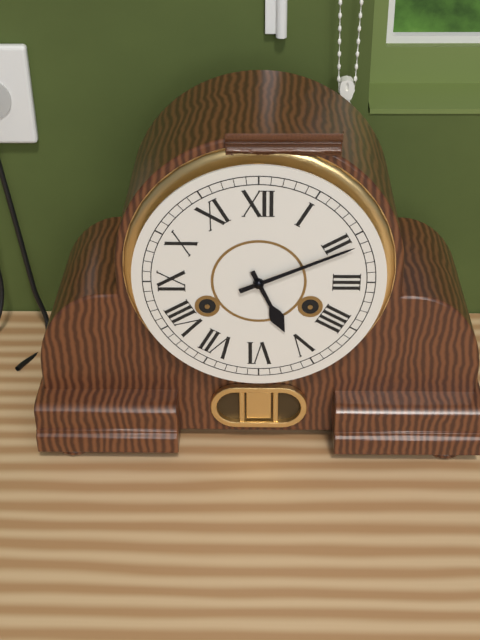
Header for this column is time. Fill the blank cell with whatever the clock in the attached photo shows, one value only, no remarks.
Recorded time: 5:11
